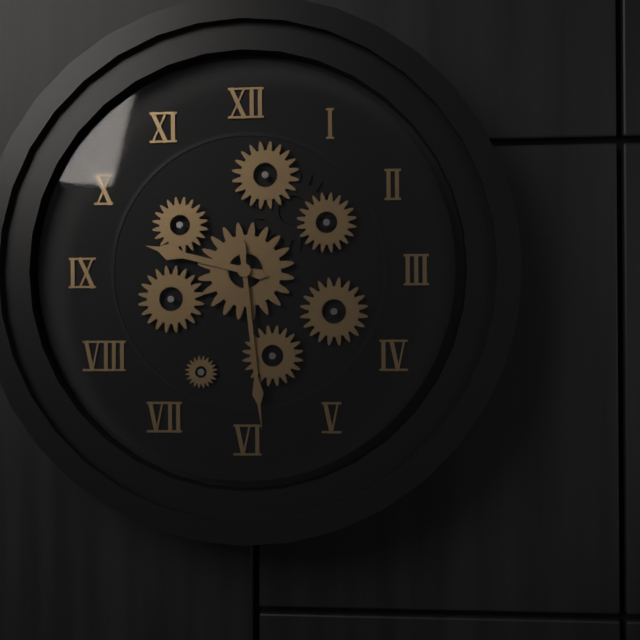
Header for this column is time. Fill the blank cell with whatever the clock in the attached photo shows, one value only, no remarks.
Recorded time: 9:29
